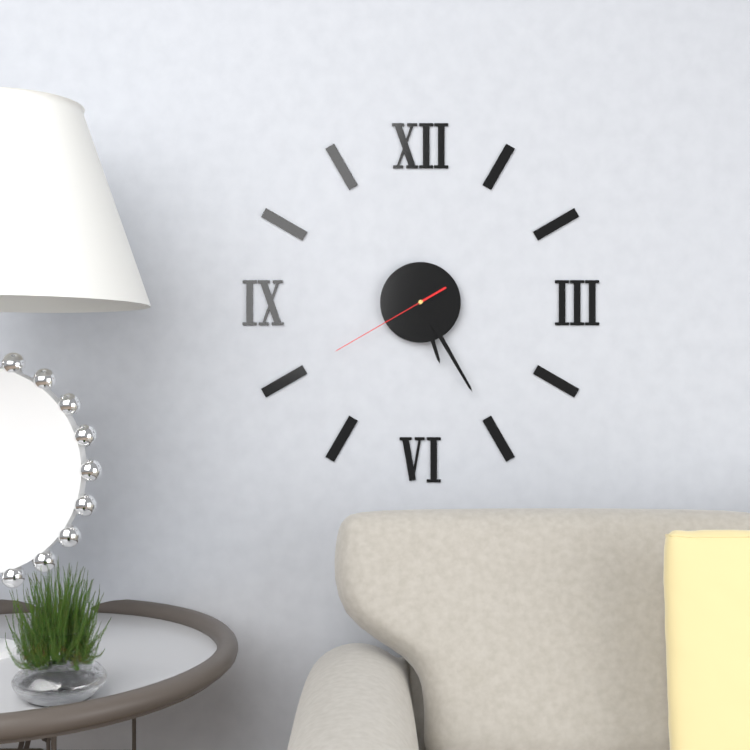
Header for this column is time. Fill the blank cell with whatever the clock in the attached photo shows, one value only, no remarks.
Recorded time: 5:25:40
